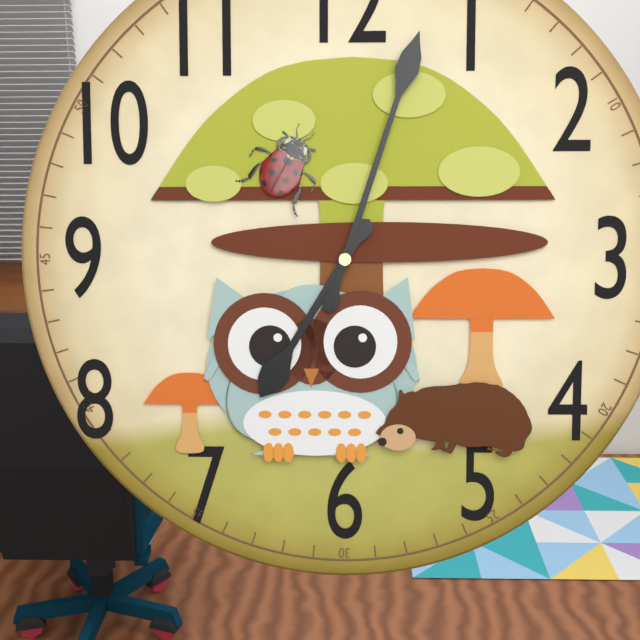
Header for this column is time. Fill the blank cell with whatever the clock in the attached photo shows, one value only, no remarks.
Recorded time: 7:03
